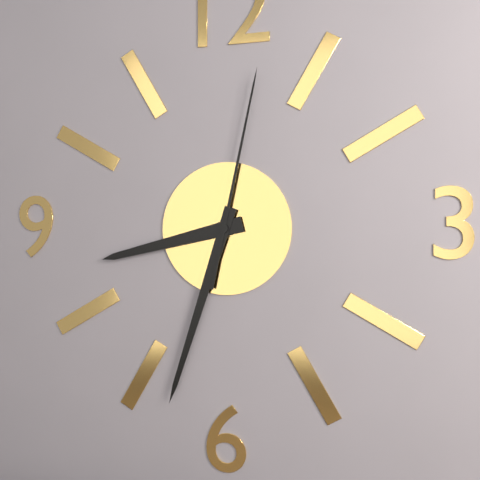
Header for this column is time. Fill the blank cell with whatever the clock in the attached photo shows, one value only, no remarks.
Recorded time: 8:33:02
